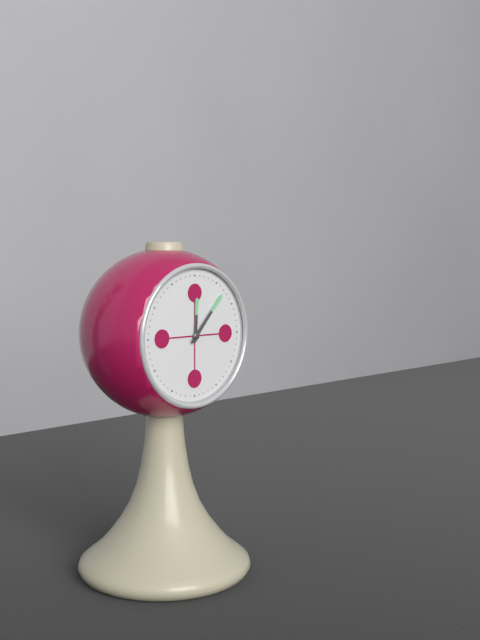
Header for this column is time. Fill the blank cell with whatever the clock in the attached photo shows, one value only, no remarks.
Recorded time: 12:07
